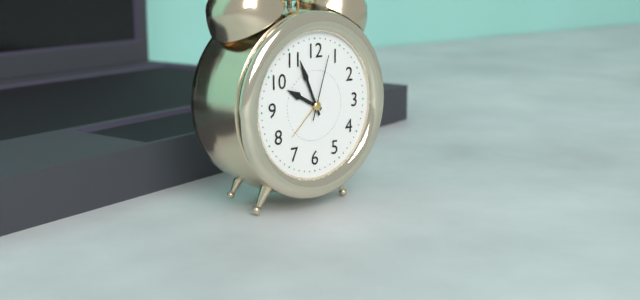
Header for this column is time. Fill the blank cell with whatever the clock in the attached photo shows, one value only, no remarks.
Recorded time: 9:56:03
